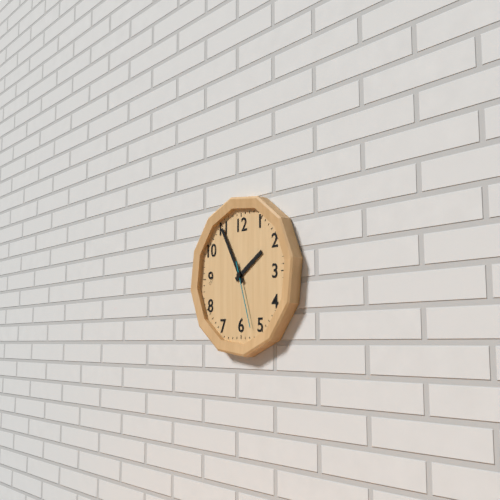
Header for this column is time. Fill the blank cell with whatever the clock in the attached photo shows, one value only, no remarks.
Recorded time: 1:55:27
